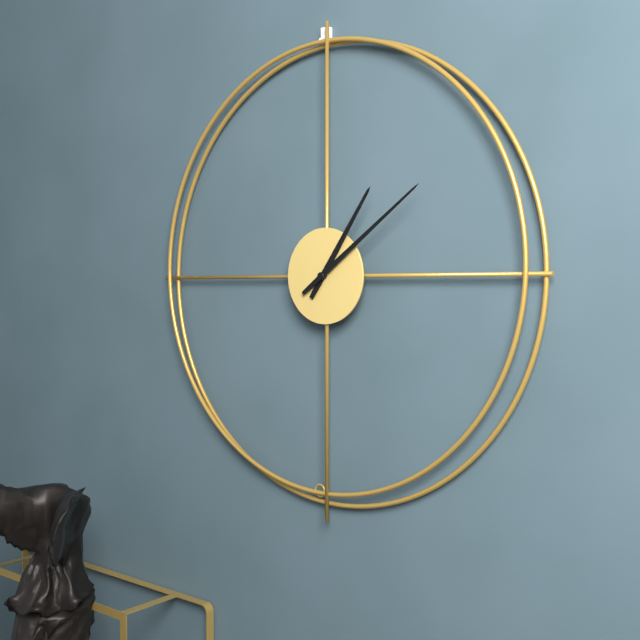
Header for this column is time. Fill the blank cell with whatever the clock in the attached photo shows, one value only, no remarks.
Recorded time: 1:09
